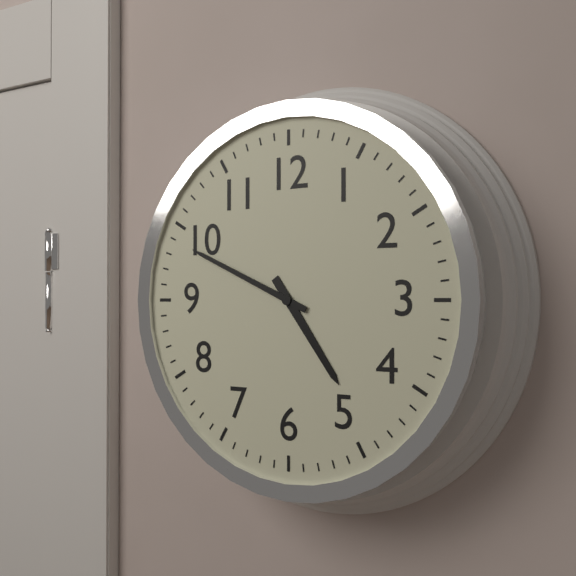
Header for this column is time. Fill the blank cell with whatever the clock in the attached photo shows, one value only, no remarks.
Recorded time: 4:49
